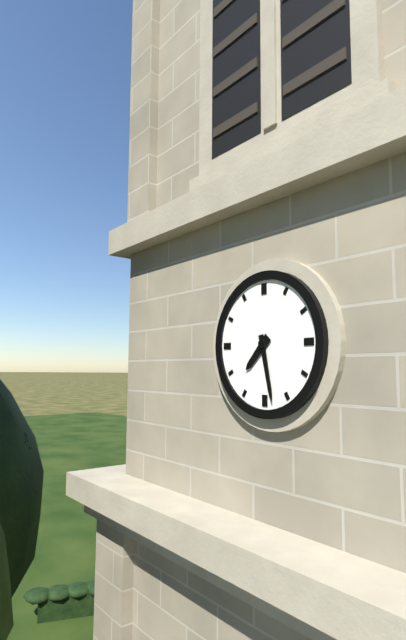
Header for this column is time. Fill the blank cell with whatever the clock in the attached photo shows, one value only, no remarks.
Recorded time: 7:28
